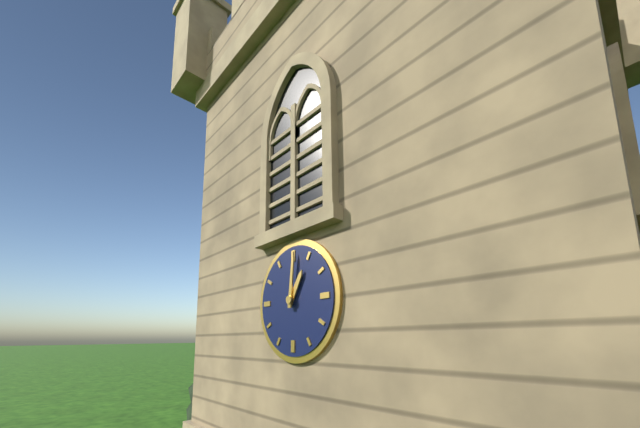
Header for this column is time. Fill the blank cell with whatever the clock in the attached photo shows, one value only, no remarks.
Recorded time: 1:01
